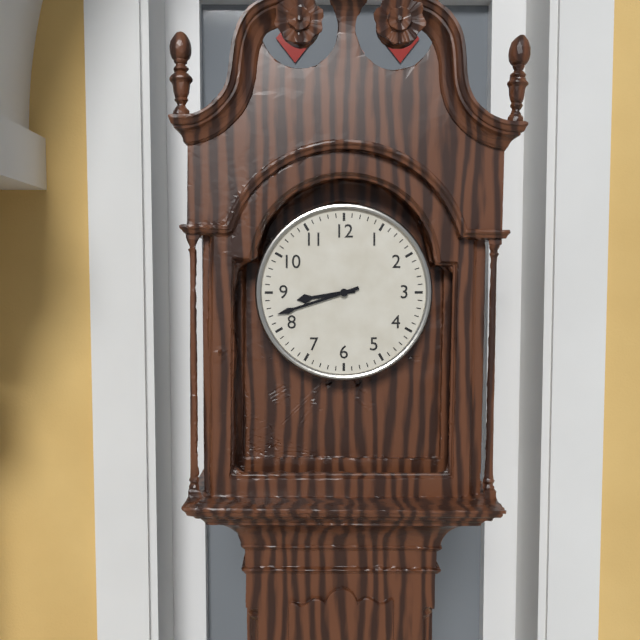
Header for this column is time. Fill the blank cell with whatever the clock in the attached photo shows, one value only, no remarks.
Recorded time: 8:42
